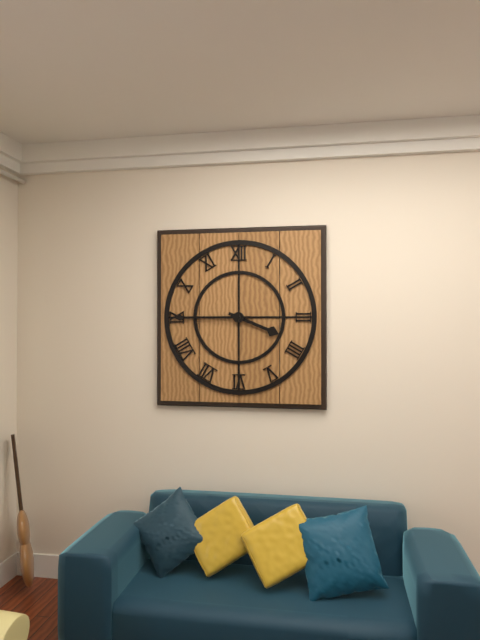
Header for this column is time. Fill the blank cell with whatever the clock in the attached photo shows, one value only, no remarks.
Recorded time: 3:45
